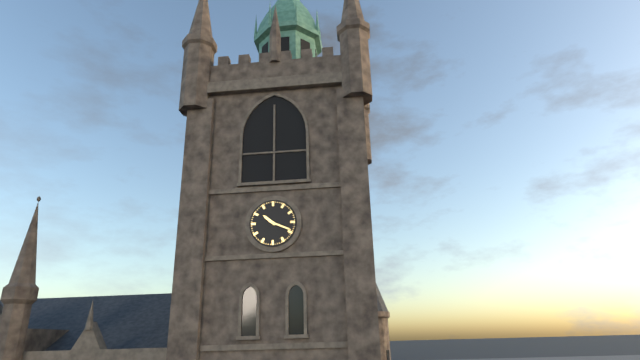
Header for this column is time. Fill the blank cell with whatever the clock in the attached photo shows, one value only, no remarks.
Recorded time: 10:19
